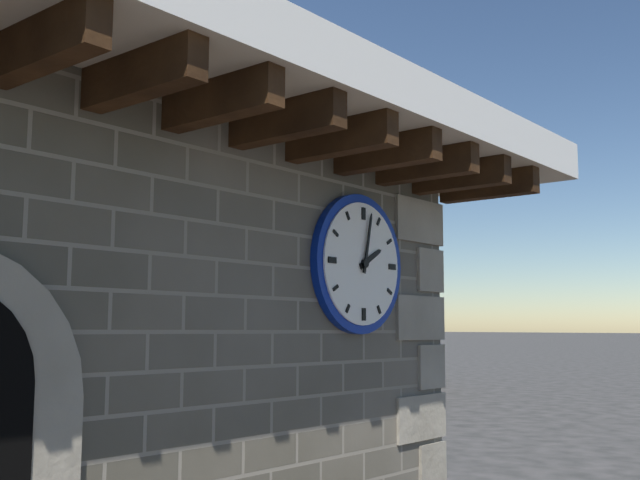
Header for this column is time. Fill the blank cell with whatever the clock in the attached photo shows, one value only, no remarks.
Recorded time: 2:02
